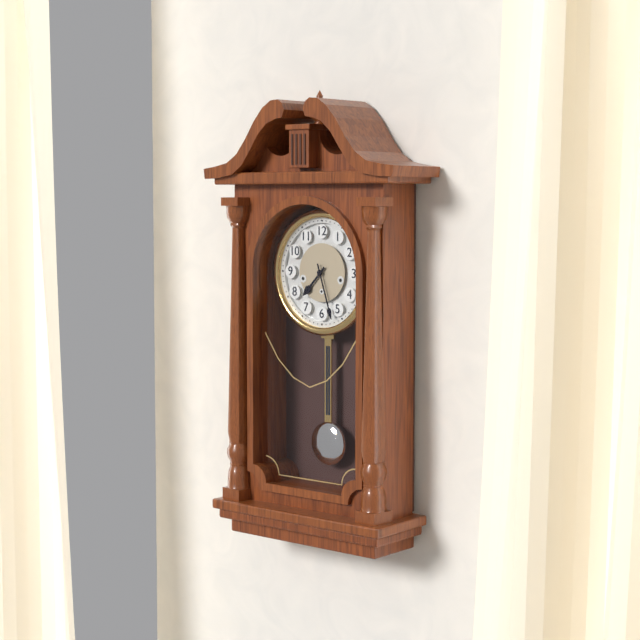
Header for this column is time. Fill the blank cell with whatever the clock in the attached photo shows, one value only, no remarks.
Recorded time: 7:27
